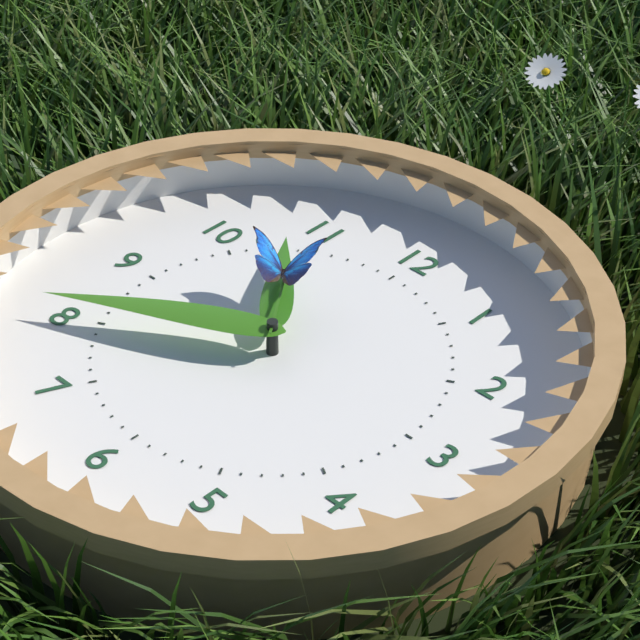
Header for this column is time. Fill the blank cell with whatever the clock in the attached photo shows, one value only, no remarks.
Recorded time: 10:40:54
